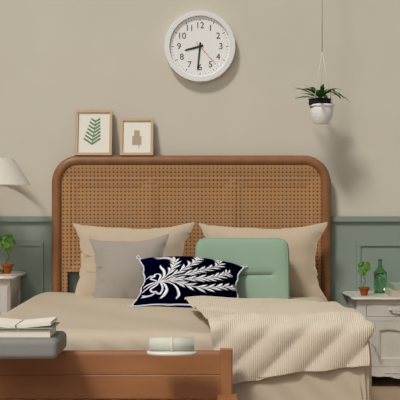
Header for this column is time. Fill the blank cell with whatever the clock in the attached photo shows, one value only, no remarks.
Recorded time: 8:31
